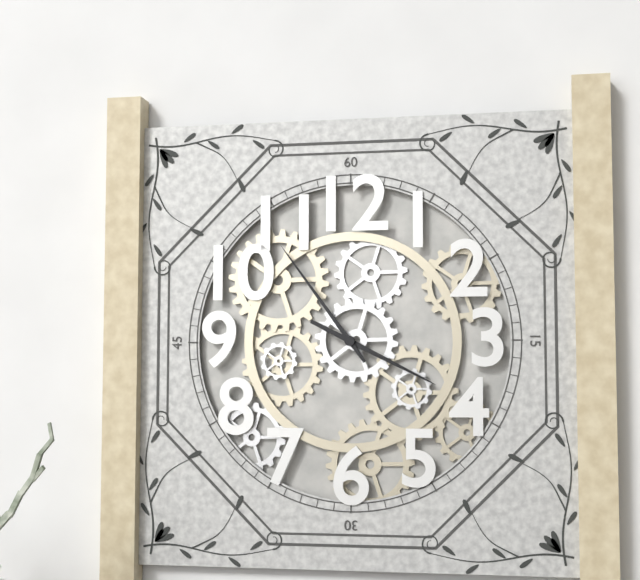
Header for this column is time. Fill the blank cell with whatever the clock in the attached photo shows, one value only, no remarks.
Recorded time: 3:54
